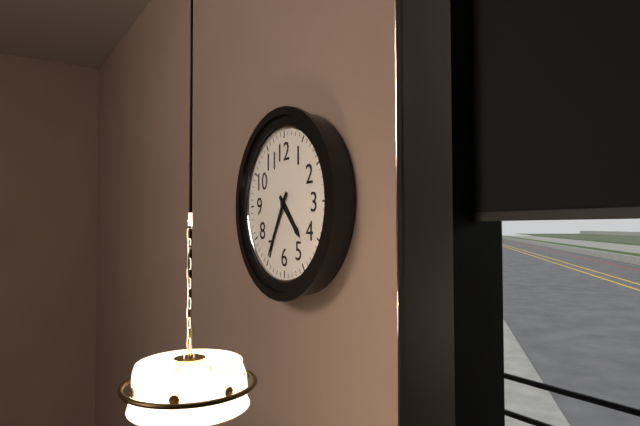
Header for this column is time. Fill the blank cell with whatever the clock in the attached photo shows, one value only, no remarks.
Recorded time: 4:35
